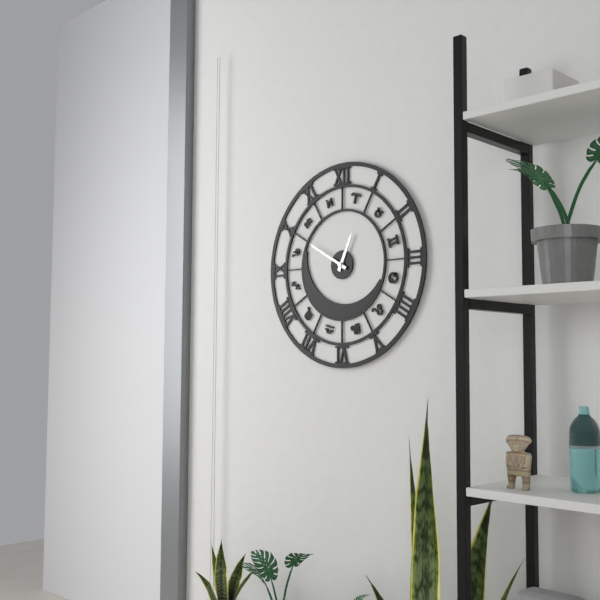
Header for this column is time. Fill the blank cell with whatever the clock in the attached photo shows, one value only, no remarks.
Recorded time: 12:50
